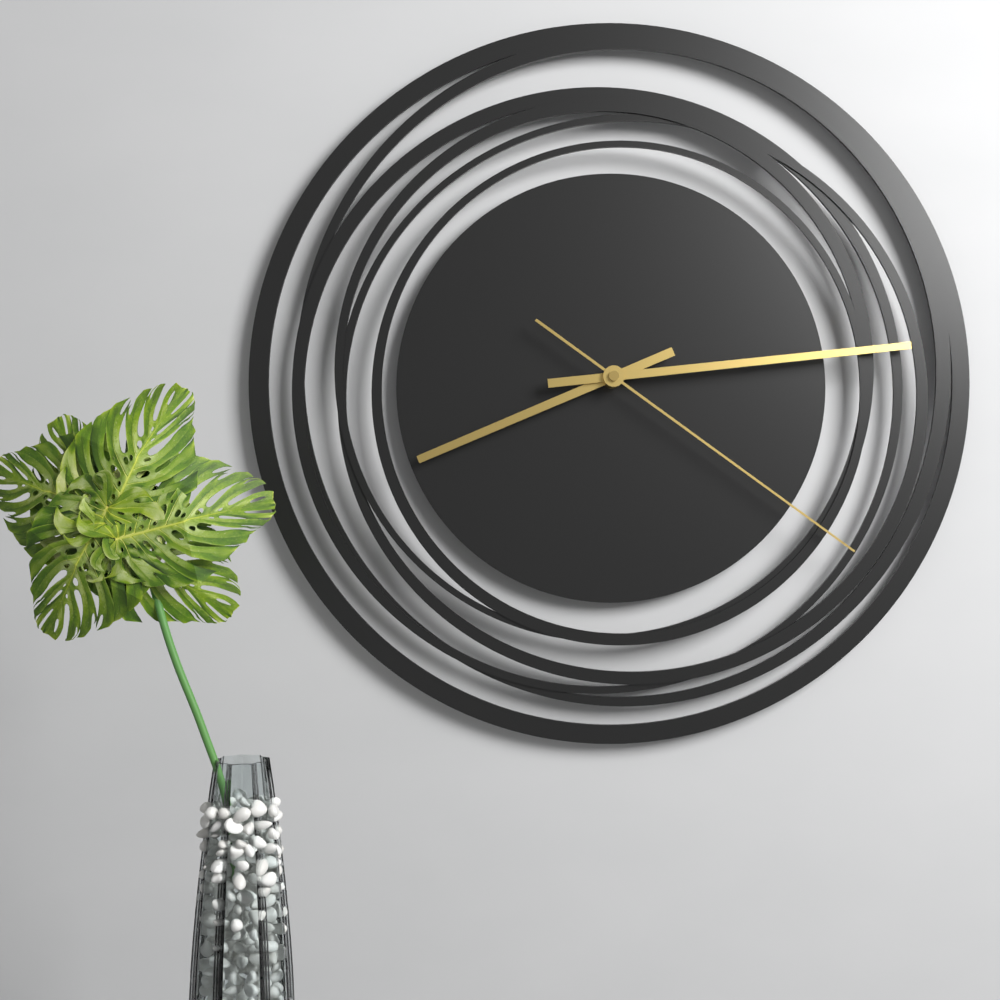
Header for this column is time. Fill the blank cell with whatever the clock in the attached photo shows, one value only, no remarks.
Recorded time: 8:14:21
